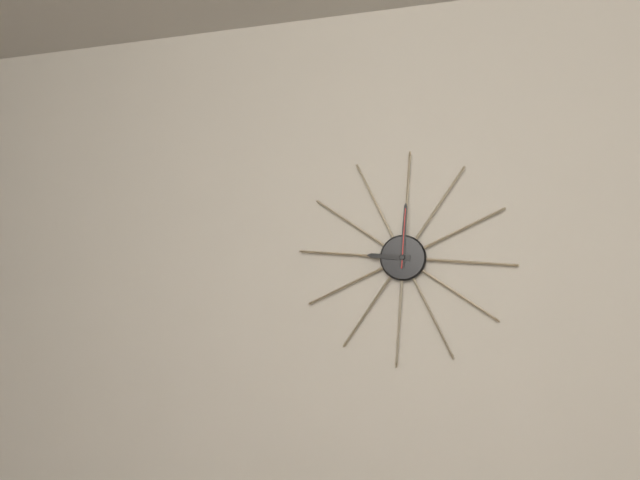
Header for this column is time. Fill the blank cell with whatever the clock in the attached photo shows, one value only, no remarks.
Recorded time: 9:00:00
